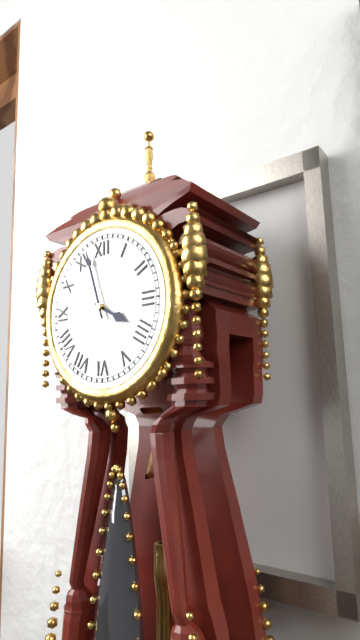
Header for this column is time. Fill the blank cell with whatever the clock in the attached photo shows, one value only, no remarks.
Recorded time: 3:57
